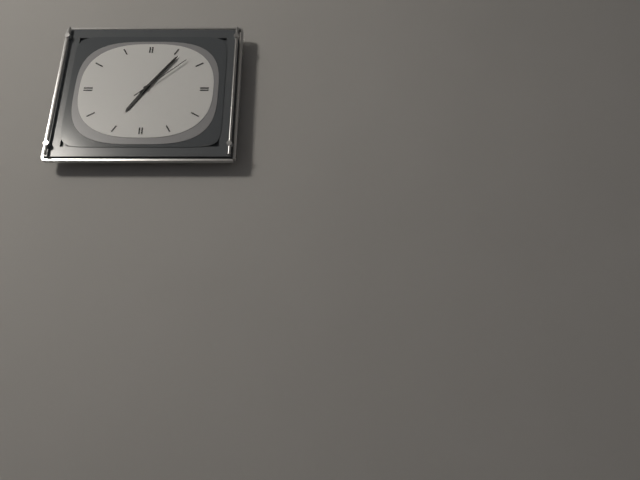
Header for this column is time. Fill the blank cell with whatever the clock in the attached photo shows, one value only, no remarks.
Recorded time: 7:06:08
